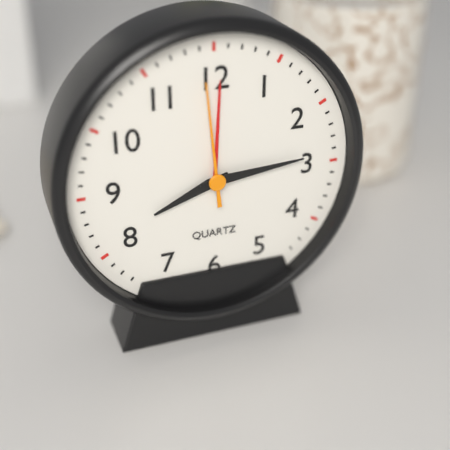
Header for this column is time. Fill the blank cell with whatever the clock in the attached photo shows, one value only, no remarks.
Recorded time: 8:14:59
